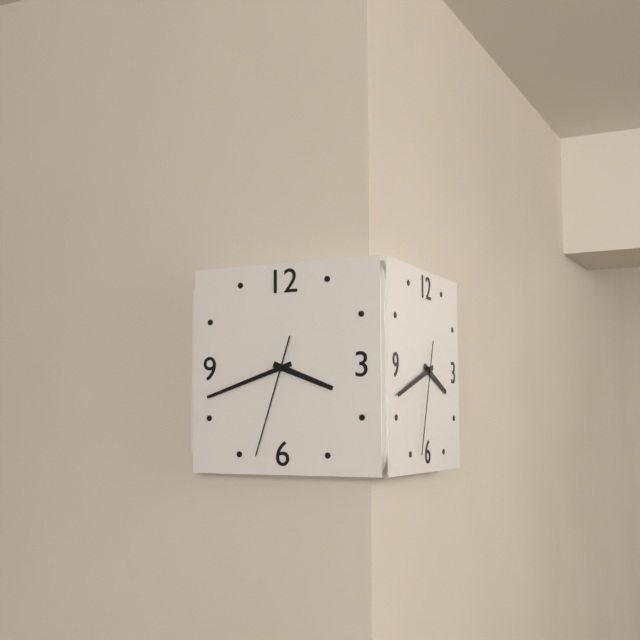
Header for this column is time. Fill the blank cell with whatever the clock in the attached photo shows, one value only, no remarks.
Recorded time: 3:42:33
